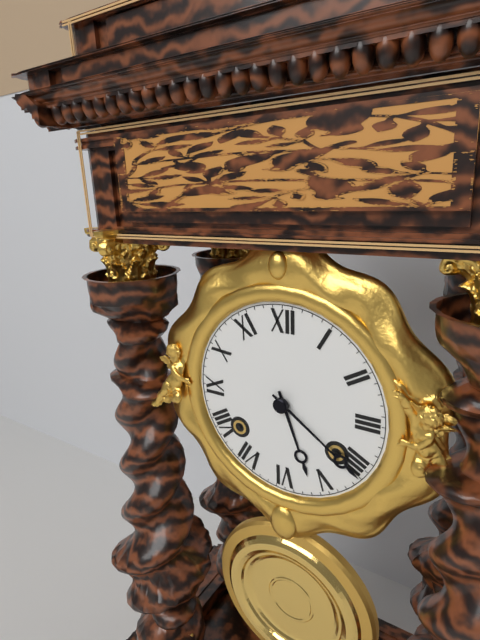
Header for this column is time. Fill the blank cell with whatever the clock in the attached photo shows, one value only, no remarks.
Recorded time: 5:21
